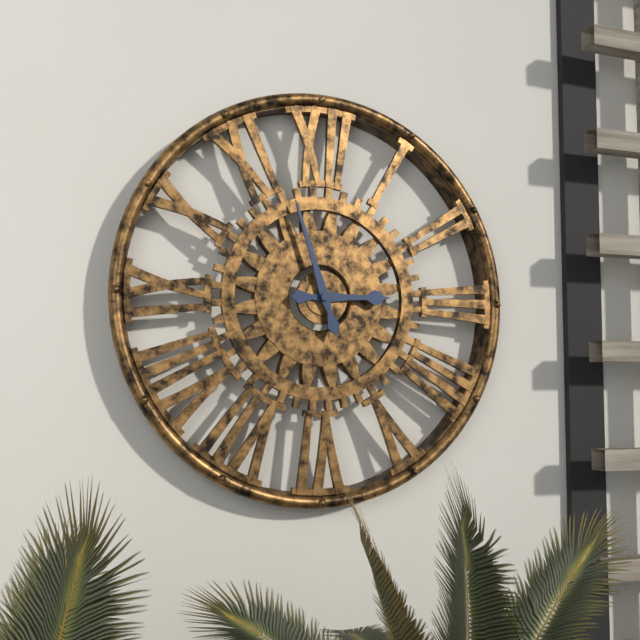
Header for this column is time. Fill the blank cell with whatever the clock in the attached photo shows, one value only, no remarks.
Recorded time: 2:57
